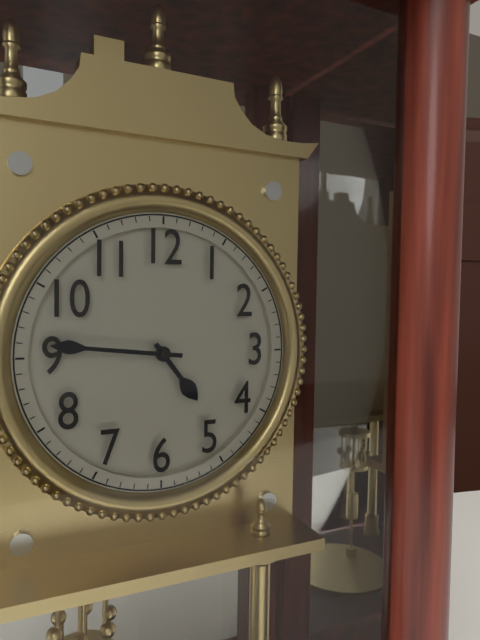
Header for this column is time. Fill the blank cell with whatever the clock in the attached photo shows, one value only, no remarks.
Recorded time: 4:46
